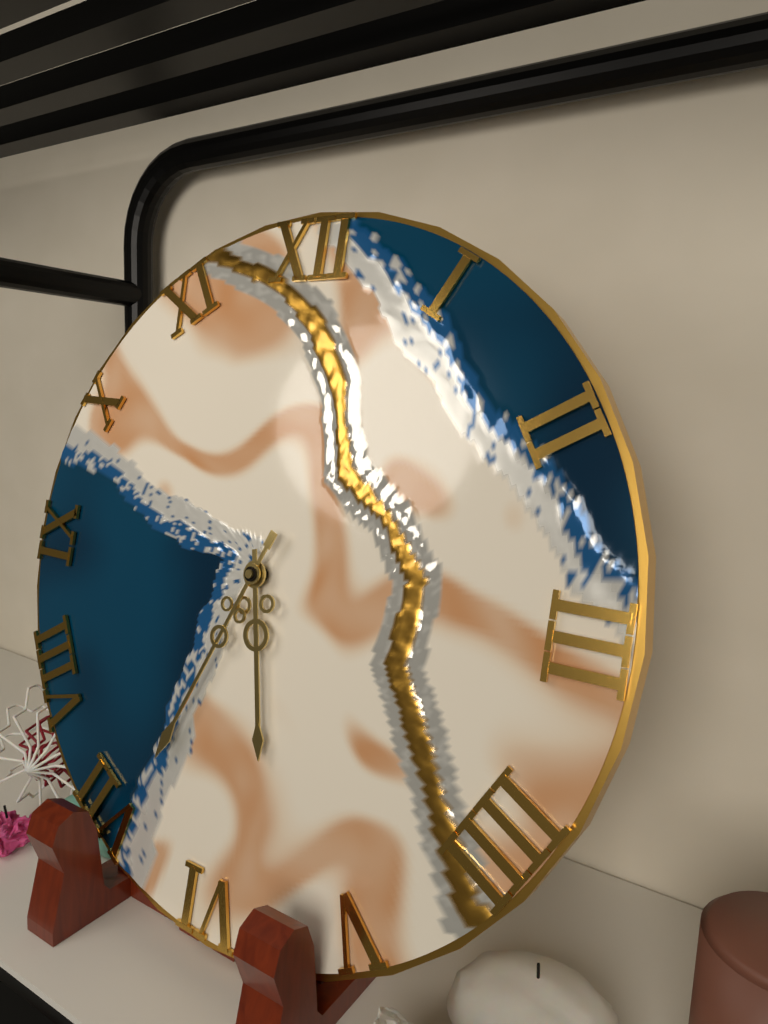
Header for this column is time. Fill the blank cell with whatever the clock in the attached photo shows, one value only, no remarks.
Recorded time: 5:34
